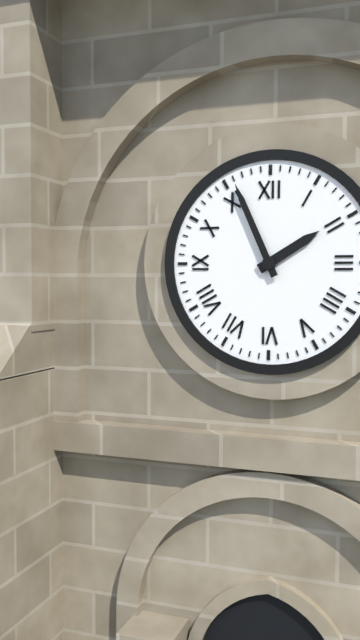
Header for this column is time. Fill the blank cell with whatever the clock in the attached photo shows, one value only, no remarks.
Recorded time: 1:56
